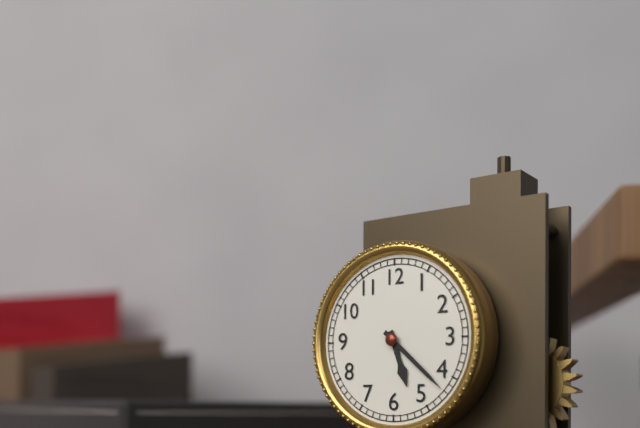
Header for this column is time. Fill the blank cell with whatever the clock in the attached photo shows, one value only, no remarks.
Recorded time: 5:22
